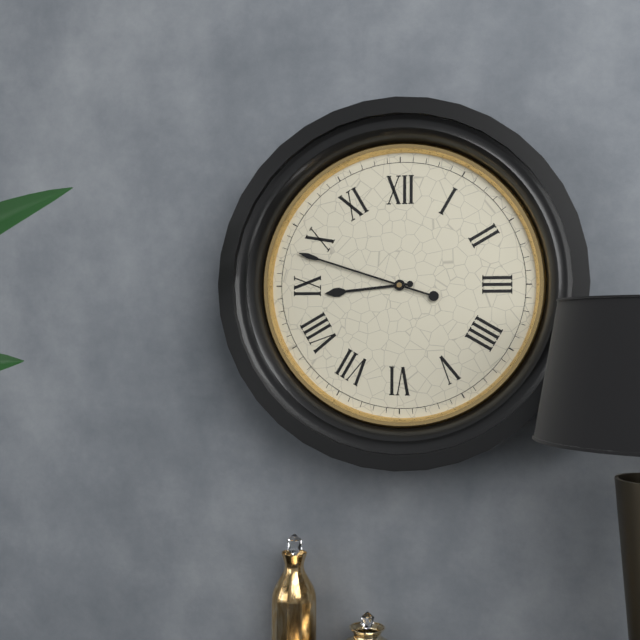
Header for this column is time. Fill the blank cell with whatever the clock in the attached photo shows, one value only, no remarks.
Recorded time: 8:48
